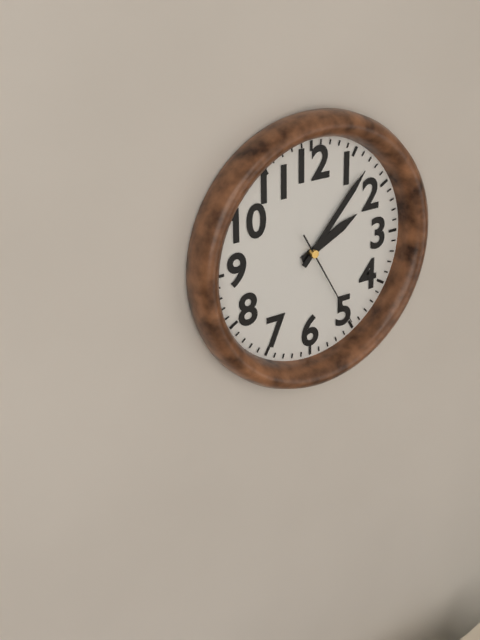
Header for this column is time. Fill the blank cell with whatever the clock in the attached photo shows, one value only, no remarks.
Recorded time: 2:07:25
